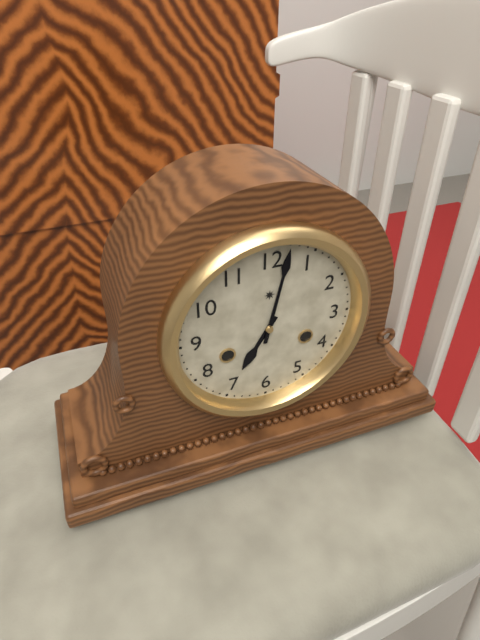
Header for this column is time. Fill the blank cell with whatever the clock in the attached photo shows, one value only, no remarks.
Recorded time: 7:02
